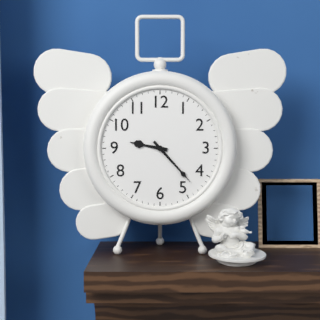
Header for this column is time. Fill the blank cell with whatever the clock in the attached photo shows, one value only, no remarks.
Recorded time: 9:23
